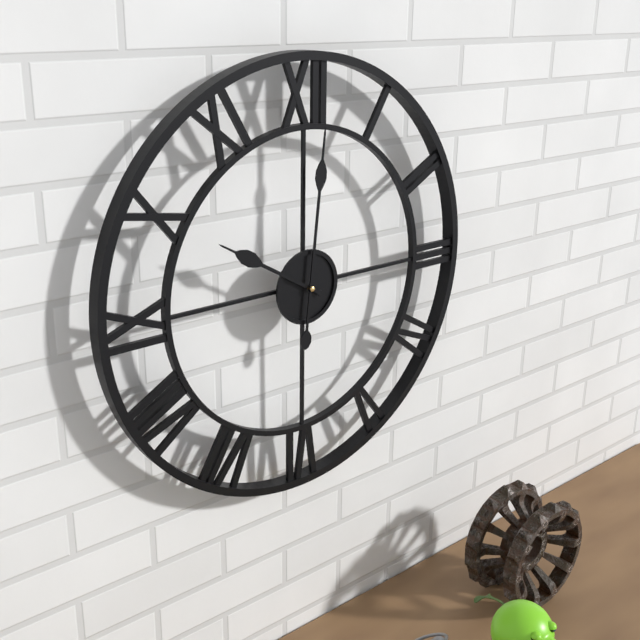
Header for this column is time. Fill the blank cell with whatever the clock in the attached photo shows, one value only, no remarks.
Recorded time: 10:01
